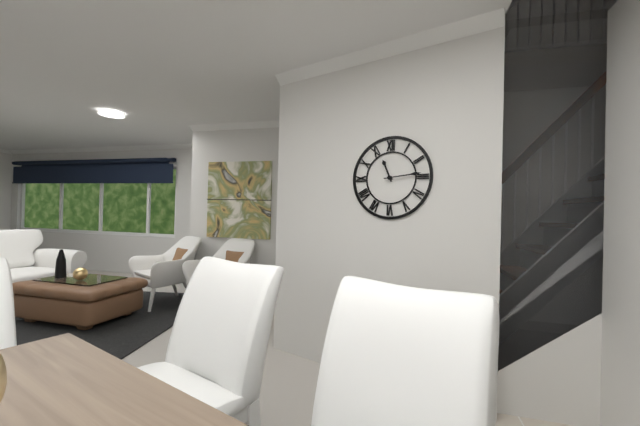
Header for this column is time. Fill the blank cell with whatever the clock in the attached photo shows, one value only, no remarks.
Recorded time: 11:14
